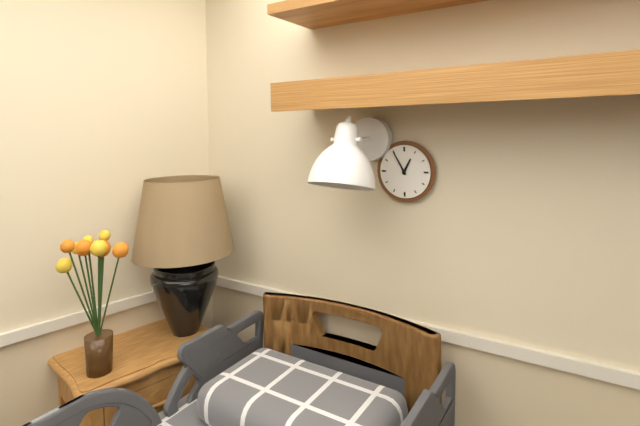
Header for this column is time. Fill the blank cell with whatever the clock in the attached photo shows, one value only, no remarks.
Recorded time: 12:55
